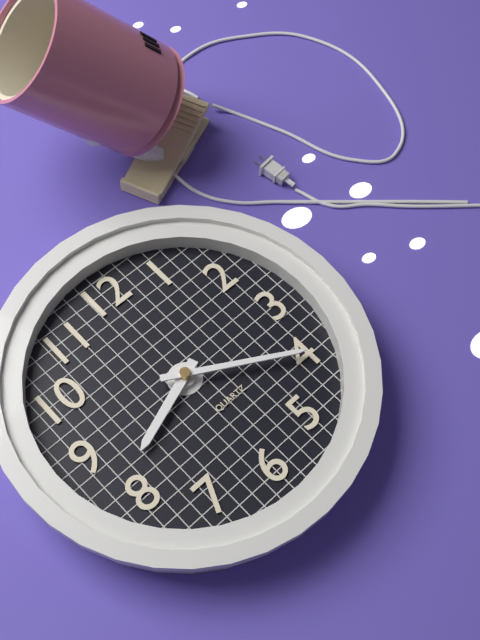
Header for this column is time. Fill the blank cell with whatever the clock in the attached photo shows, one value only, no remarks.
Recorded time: 8:20
